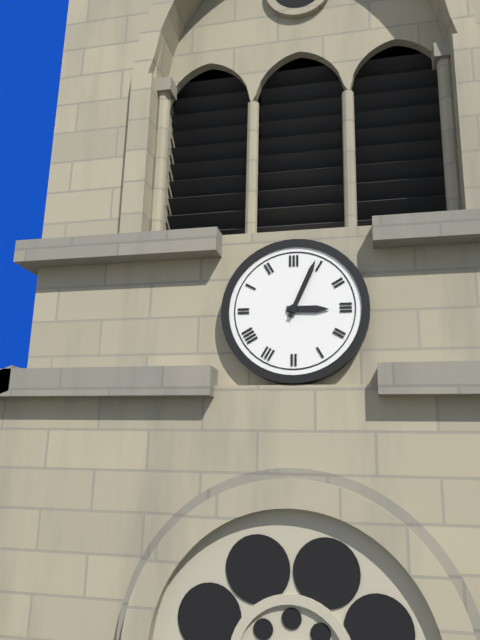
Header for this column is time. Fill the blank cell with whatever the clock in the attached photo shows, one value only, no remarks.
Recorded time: 3:04
